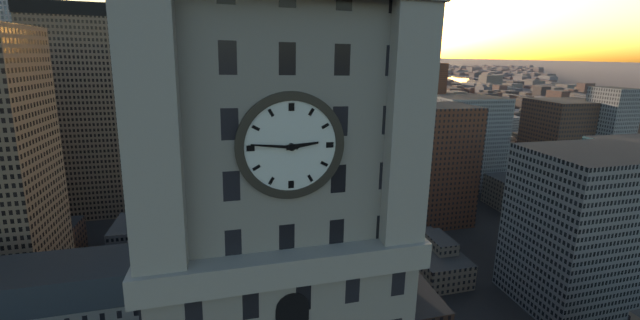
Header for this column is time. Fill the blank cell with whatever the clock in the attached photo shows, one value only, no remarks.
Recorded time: 2:46
